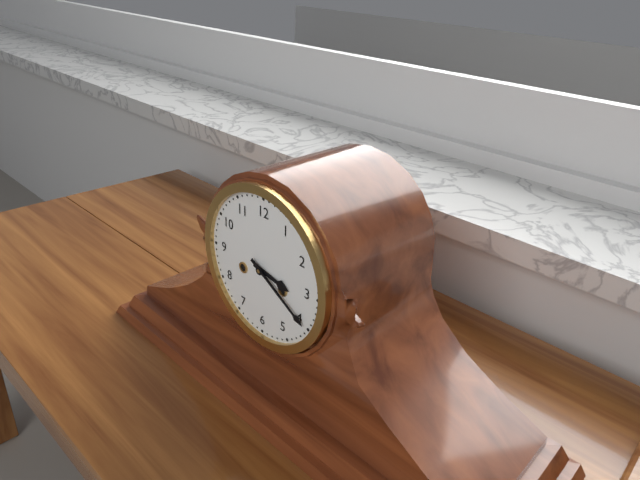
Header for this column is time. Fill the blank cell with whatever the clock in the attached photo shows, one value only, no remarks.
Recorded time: 3:20
